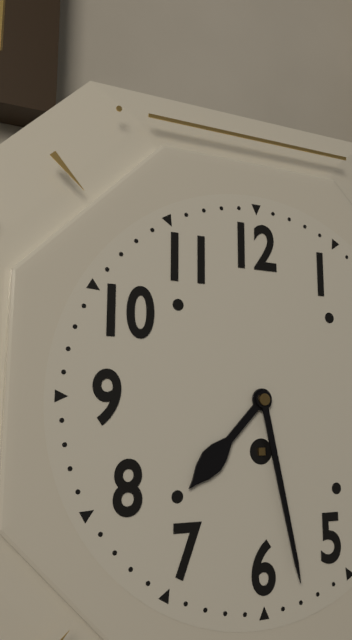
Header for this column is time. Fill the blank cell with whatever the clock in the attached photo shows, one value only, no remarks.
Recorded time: 7:28
